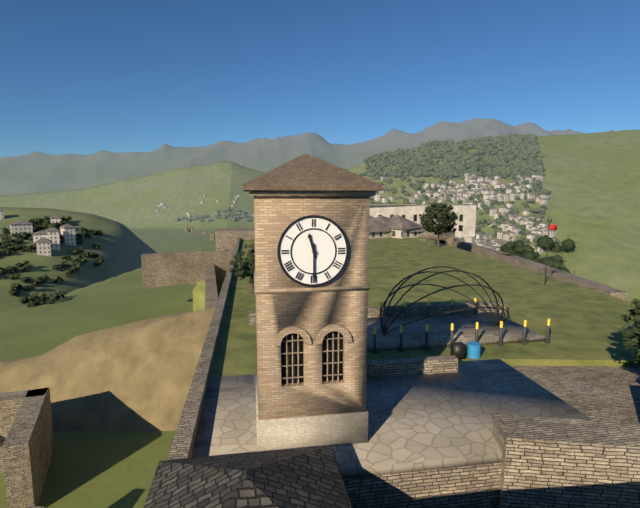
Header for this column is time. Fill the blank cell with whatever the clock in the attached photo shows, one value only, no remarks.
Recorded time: 11:30
